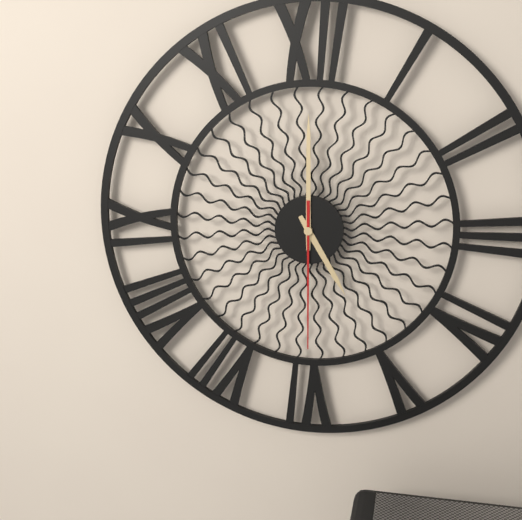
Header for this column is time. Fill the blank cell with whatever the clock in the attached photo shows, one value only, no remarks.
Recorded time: 5:00:30
